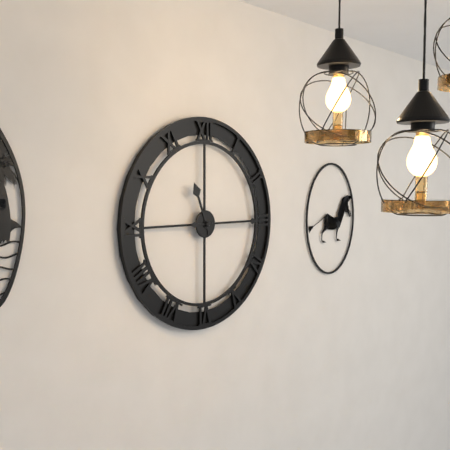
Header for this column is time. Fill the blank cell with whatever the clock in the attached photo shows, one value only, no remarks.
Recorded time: 11:15
